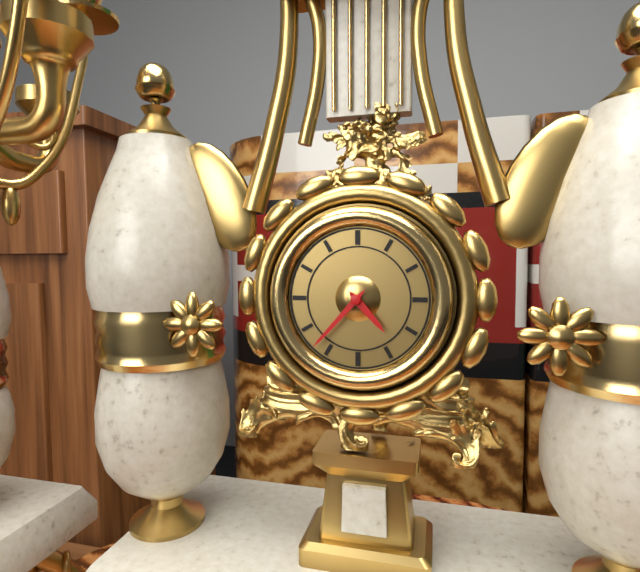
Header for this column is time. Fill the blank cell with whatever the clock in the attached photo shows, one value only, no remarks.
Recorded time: 4:37
